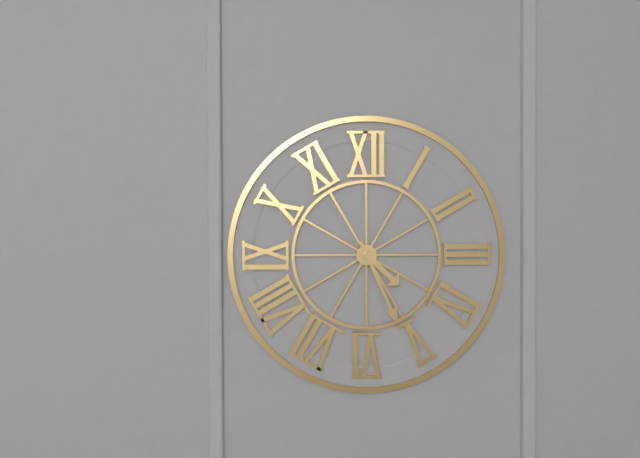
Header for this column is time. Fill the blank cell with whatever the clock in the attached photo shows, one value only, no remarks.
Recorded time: 4:26
